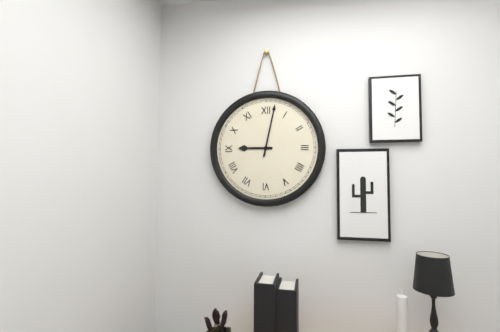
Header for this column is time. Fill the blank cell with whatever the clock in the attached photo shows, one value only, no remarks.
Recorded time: 9:02
